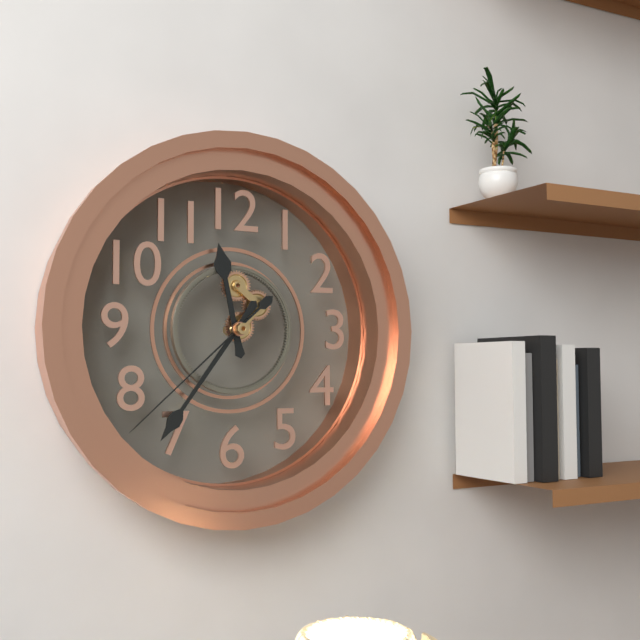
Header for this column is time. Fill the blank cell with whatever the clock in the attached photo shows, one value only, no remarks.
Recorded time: 11:36:38
